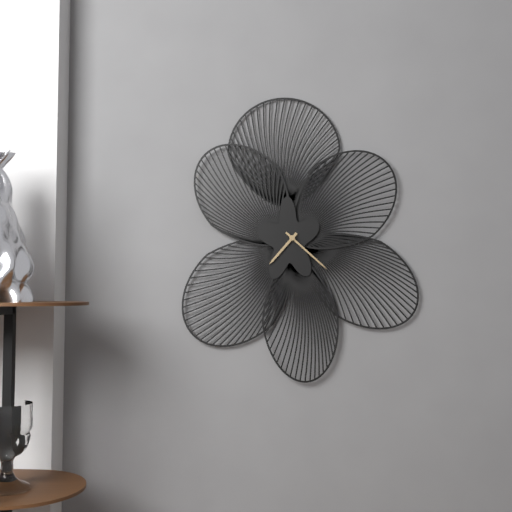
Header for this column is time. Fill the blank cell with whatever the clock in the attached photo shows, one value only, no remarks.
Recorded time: 7:22
